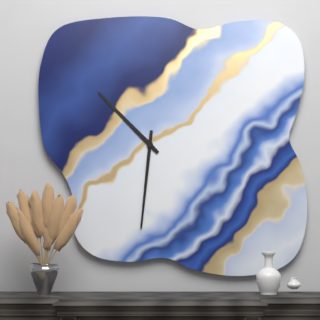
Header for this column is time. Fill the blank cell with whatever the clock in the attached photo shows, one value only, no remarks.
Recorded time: 10:31
